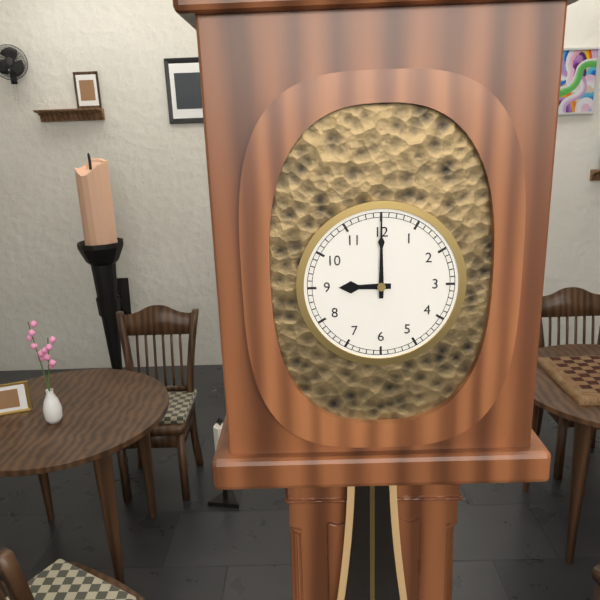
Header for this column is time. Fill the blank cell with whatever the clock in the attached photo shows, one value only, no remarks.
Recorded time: 9:00
